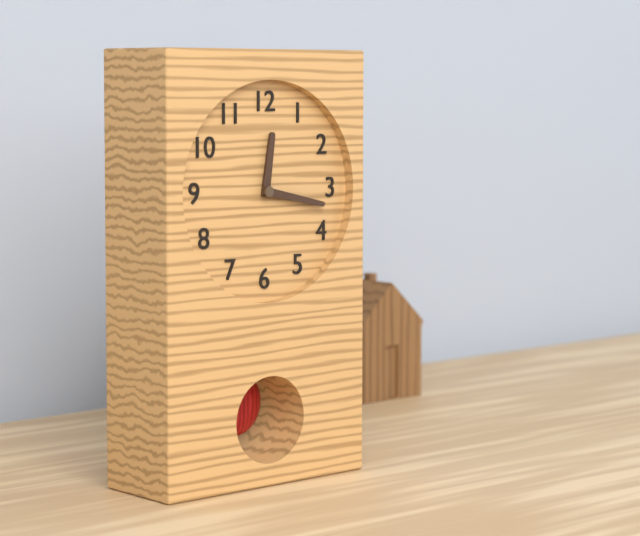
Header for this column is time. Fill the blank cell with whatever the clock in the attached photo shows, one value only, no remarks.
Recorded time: 12:17
